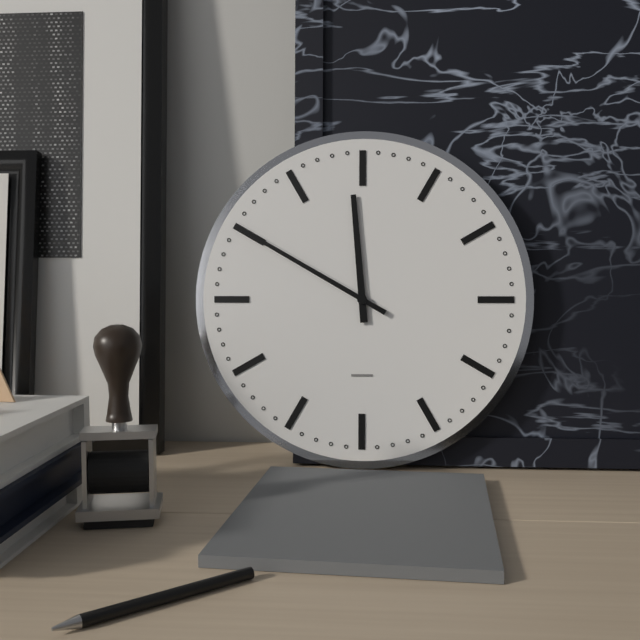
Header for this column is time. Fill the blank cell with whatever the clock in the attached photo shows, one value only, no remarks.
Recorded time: 11:50
